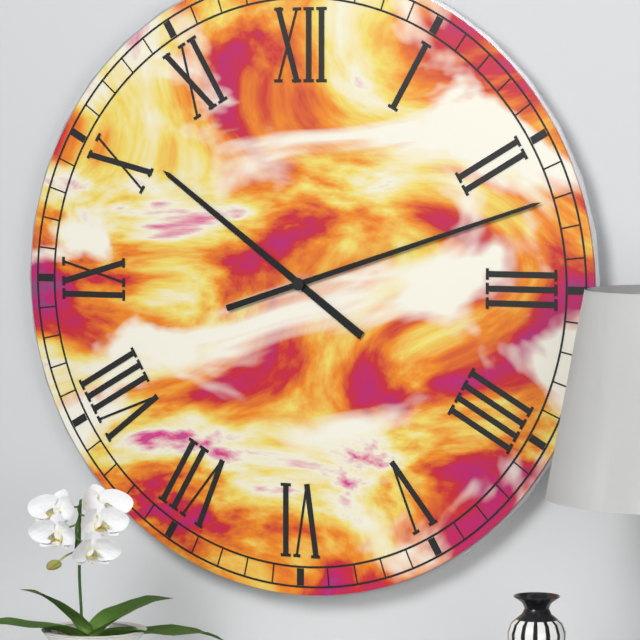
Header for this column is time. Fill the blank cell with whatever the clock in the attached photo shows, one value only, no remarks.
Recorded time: 10:12
